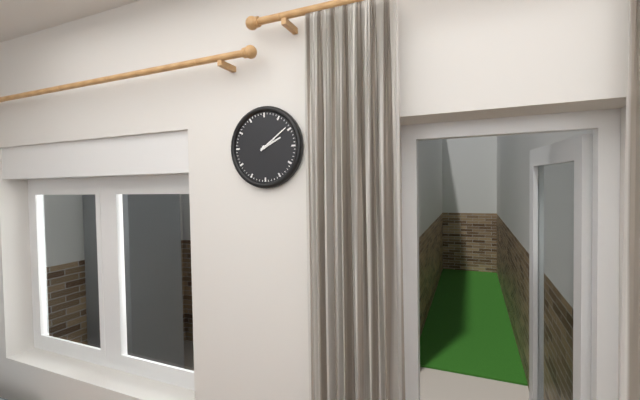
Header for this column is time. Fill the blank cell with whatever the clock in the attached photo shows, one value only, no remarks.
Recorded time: 2:09
